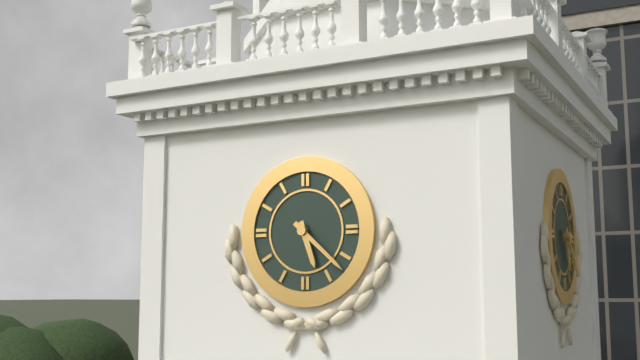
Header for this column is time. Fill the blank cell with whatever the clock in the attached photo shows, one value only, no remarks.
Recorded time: 5:22
